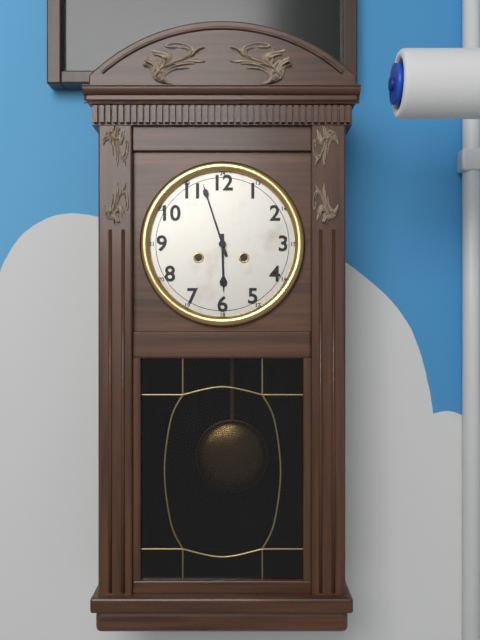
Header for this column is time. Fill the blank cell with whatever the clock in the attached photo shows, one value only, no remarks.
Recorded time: 5:57
